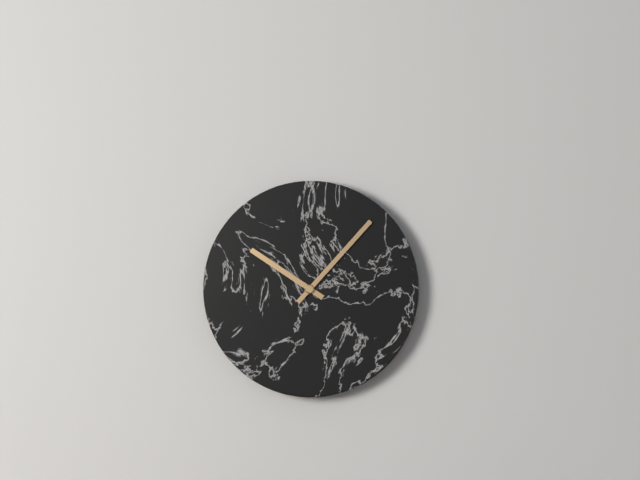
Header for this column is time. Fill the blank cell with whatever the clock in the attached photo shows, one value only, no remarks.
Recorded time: 10:07
